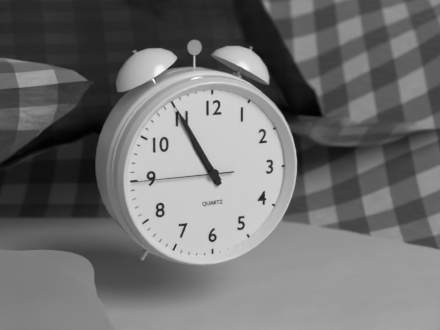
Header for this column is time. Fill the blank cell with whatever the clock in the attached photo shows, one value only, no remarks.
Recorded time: 10:55:45
